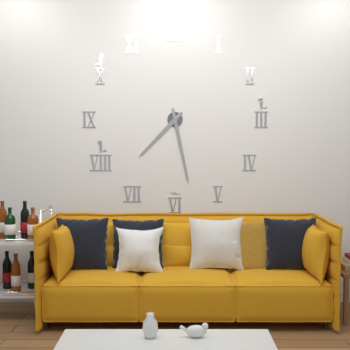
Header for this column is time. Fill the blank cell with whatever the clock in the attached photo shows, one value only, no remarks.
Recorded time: 7:28
